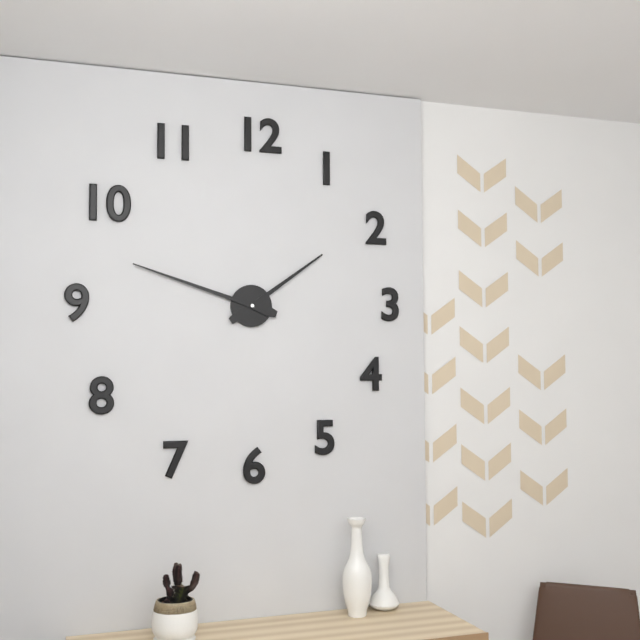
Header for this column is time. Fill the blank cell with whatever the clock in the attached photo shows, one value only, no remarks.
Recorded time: 1:48
